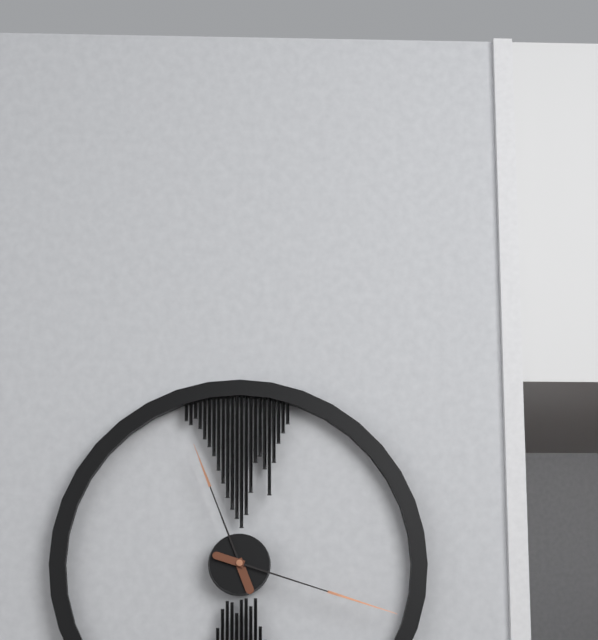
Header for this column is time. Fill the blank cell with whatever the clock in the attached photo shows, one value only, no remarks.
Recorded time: 11:18
